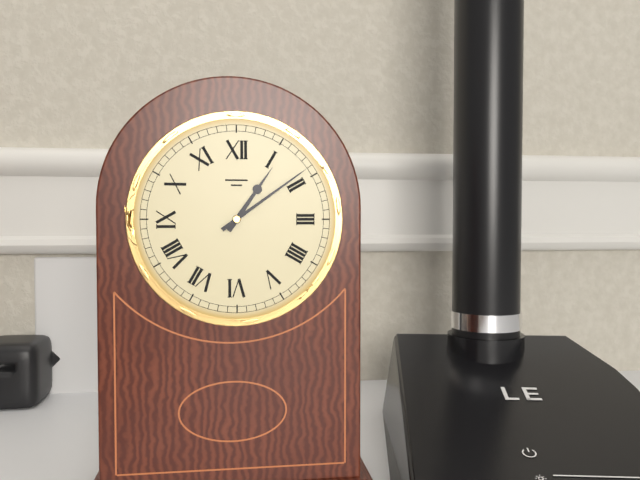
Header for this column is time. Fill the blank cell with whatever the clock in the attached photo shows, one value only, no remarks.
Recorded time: 1:09
